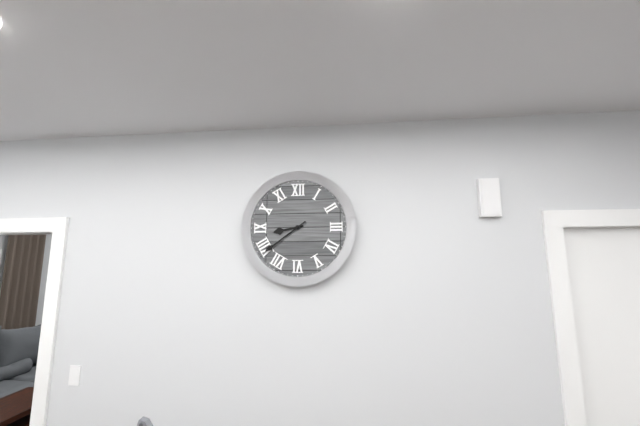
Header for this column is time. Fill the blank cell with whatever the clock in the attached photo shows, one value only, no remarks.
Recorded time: 8:39
